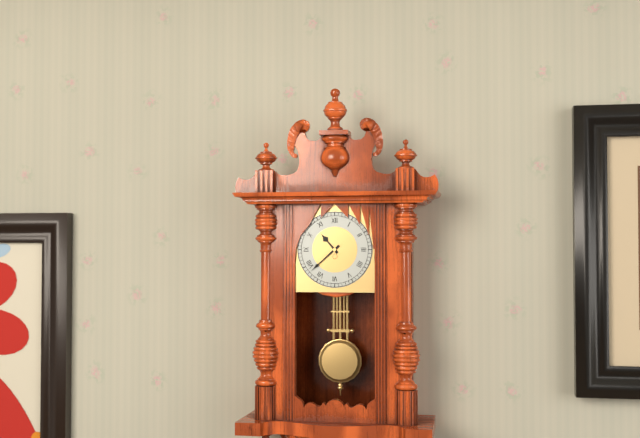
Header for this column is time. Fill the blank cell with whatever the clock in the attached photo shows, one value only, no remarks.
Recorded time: 10:38
